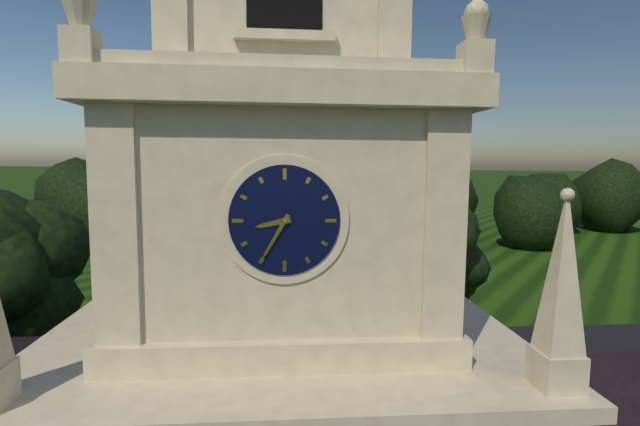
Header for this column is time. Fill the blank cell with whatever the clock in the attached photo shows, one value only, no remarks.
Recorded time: 8:35
